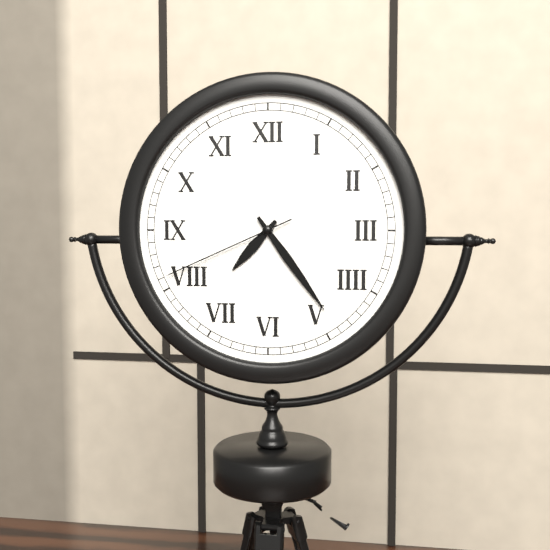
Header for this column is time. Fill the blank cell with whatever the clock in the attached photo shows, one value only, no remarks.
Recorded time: 7:24:41
